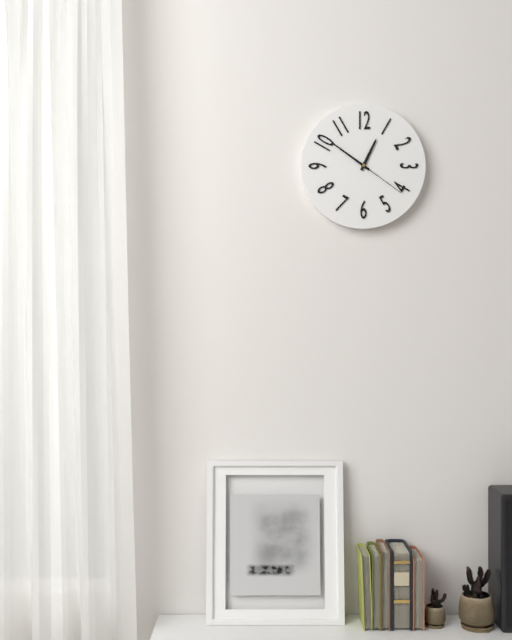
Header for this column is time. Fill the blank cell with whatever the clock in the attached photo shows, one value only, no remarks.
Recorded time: 12:51:21
